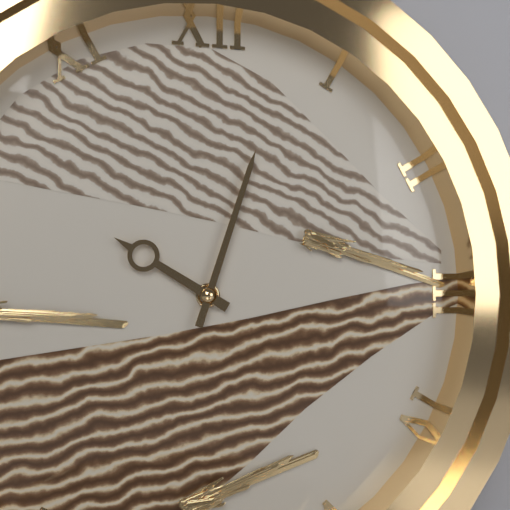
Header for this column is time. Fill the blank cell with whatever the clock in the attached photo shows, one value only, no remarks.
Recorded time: 10:03
